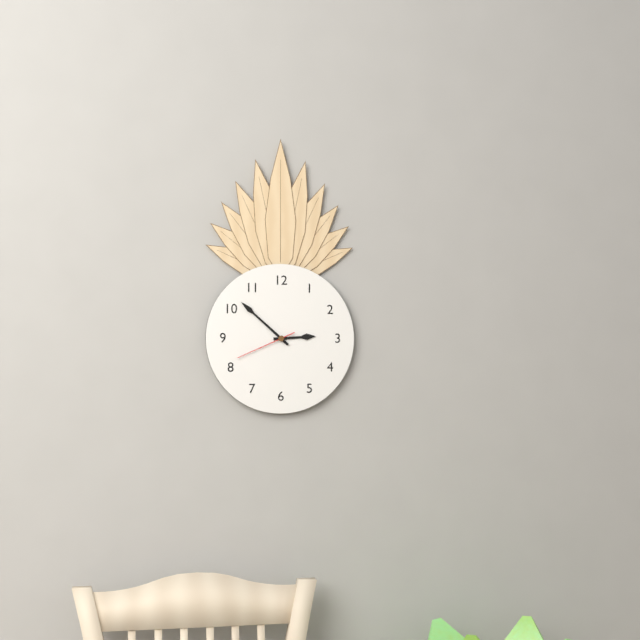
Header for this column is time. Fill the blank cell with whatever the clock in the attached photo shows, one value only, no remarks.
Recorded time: 2:52:41
